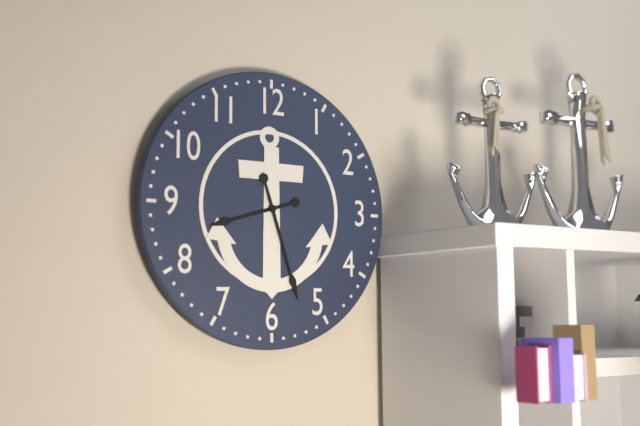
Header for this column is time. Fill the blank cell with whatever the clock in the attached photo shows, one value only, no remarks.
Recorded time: 8:27
